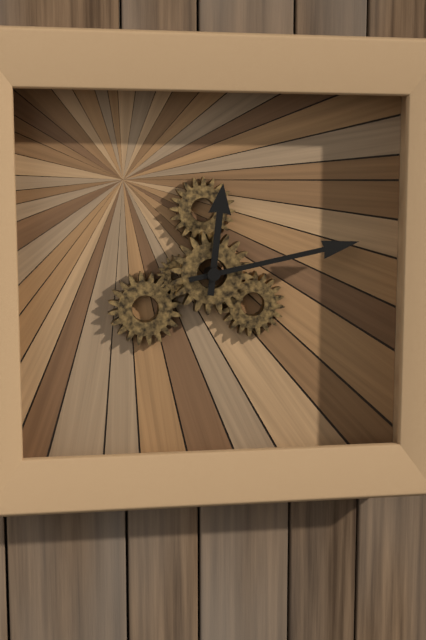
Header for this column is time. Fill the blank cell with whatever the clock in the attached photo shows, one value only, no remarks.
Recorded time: 12:13
